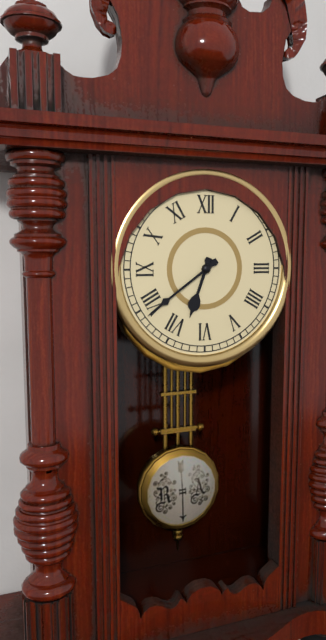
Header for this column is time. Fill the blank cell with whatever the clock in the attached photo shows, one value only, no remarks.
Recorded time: 6:39
